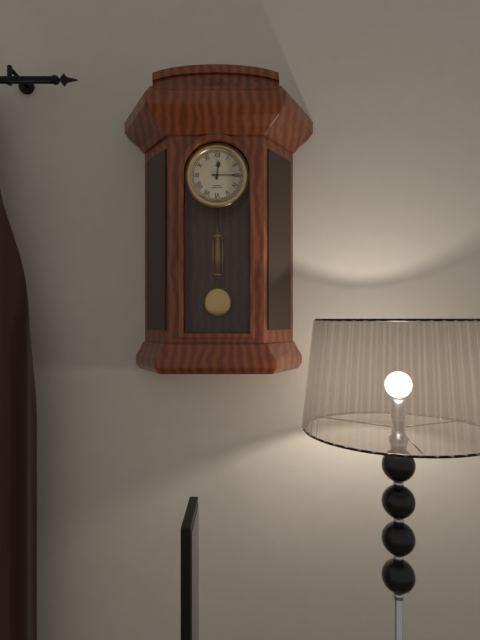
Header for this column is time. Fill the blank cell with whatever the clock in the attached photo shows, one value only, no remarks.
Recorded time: 12:15
